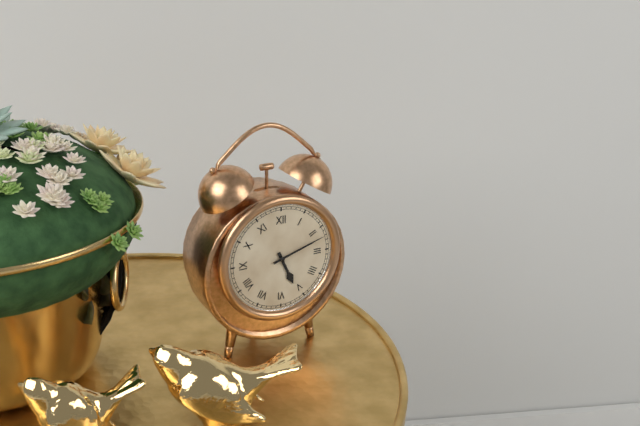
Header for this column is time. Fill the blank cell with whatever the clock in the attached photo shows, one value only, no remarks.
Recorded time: 5:12
